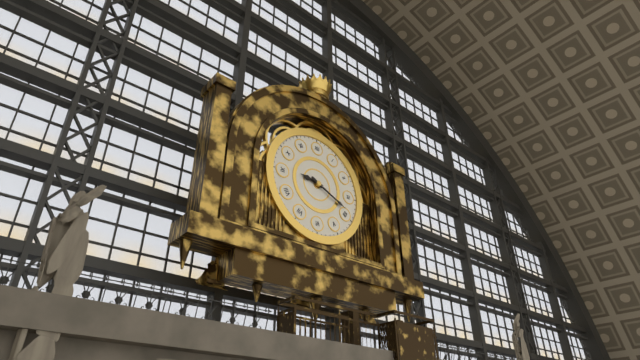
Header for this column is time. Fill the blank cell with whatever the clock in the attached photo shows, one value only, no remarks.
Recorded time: 9:19
